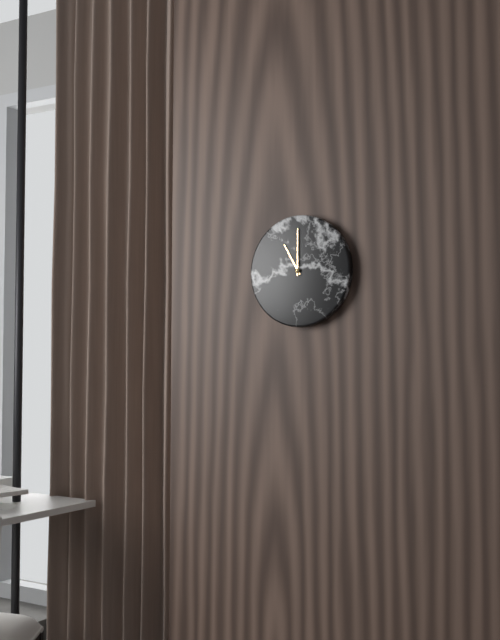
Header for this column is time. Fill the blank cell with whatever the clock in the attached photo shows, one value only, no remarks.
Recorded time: 11:00
